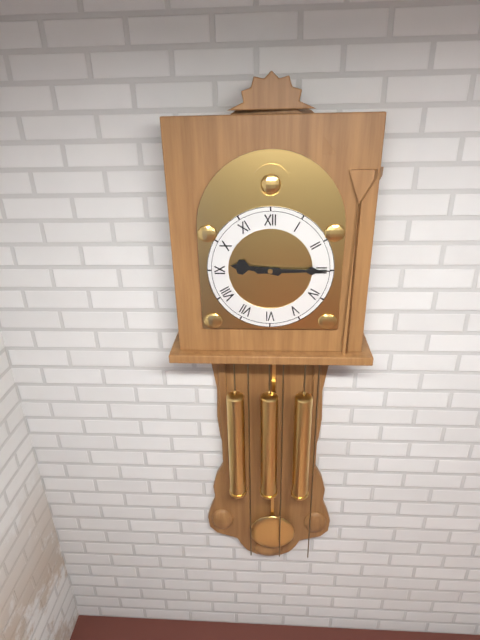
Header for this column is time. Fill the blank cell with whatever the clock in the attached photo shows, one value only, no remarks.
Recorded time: 9:15
